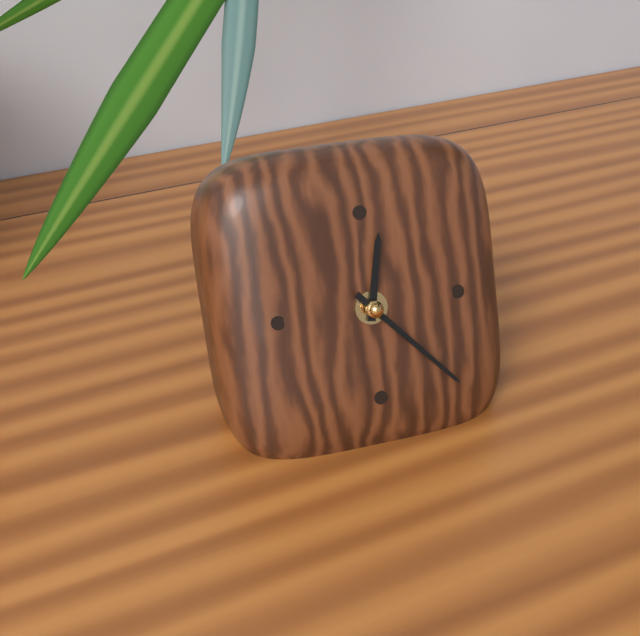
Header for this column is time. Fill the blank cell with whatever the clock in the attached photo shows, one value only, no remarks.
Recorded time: 12:23
